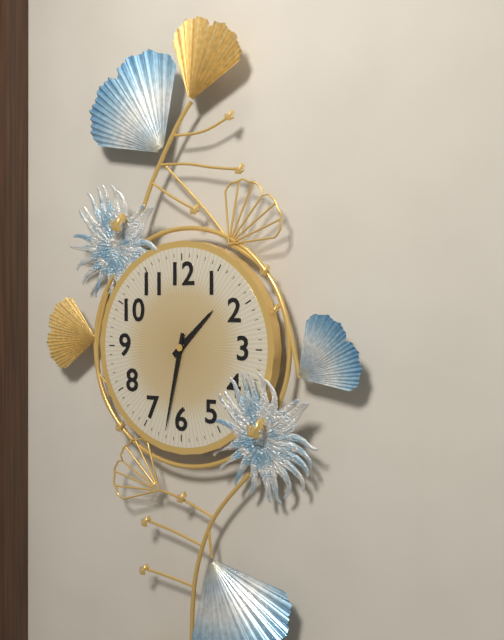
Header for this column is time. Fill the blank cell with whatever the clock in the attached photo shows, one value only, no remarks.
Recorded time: 1:32
